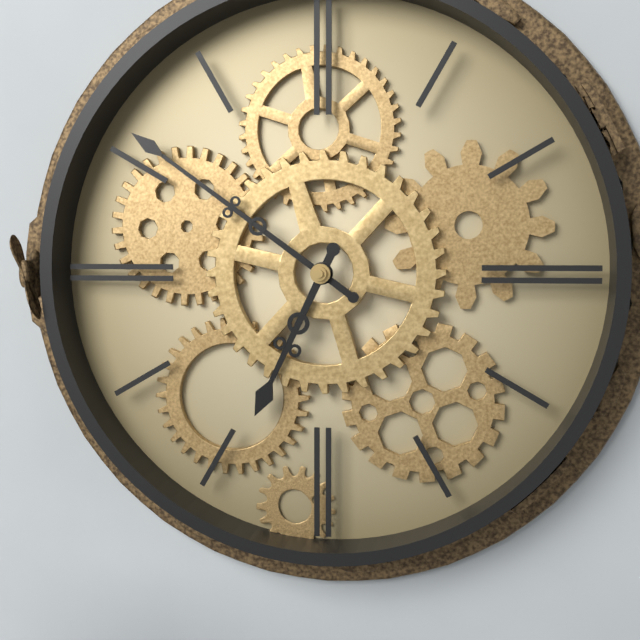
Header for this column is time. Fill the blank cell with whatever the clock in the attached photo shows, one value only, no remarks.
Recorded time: 6:51
